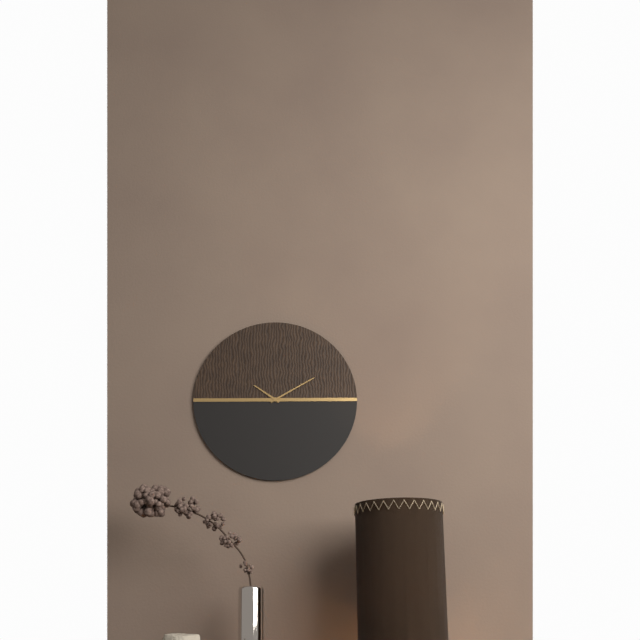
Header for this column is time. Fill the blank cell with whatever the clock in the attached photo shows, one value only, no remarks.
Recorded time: 10:10
